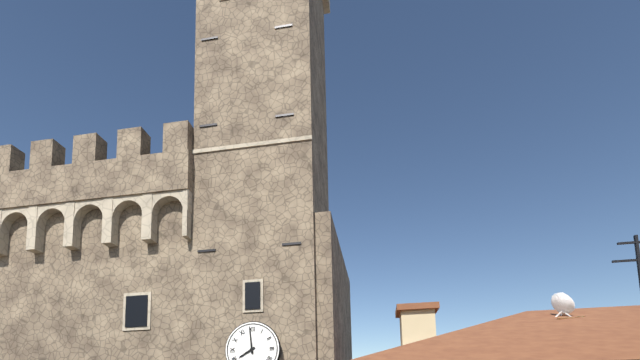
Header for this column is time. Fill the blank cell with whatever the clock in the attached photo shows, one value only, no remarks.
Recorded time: 7:59
